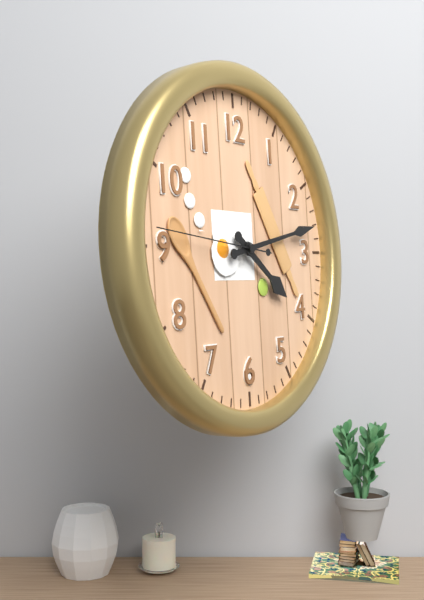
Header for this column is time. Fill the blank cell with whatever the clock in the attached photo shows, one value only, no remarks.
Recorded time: 4:13:46
